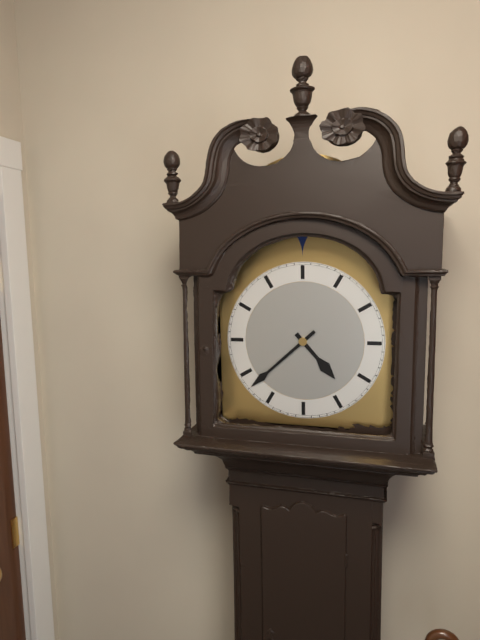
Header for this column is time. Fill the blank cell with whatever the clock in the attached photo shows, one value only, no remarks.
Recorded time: 4:38
